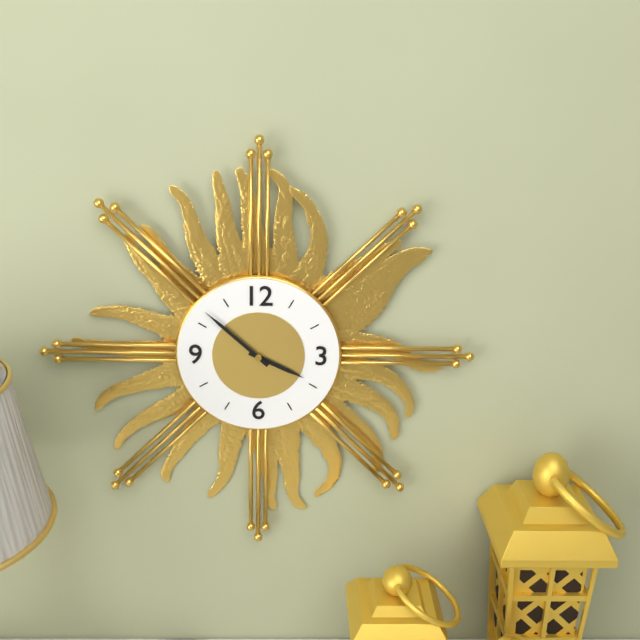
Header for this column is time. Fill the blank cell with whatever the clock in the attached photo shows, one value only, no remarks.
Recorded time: 3:52
